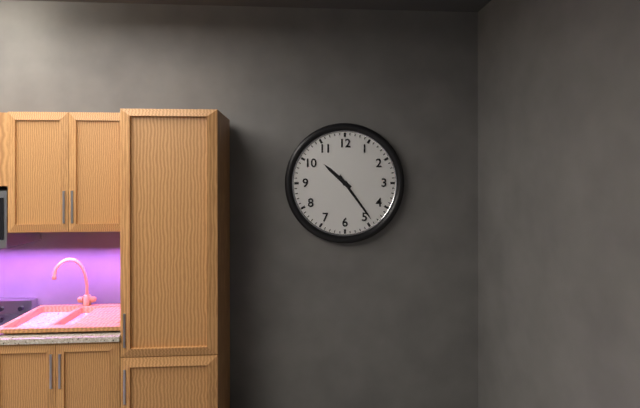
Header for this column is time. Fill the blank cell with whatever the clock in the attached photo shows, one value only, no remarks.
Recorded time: 10:24
